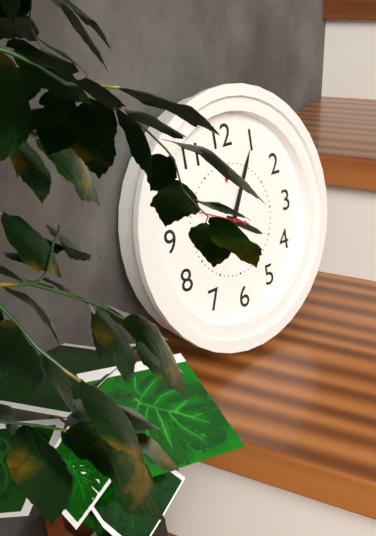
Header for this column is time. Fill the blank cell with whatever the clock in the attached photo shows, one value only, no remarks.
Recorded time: 4:05:49
